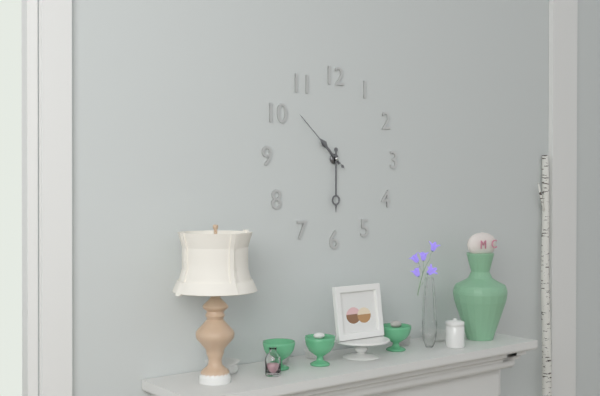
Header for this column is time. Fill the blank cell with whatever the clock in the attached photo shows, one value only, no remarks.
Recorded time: 10:30:52
